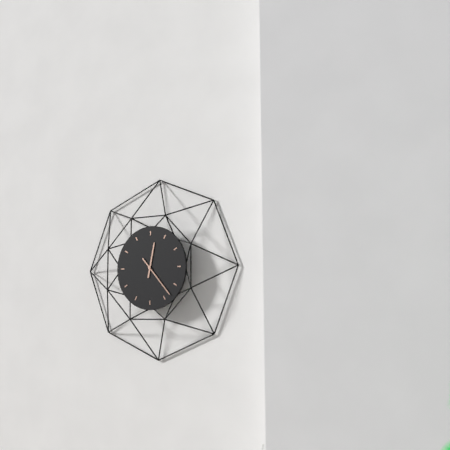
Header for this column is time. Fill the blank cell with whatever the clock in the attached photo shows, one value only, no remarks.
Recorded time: 12:23
